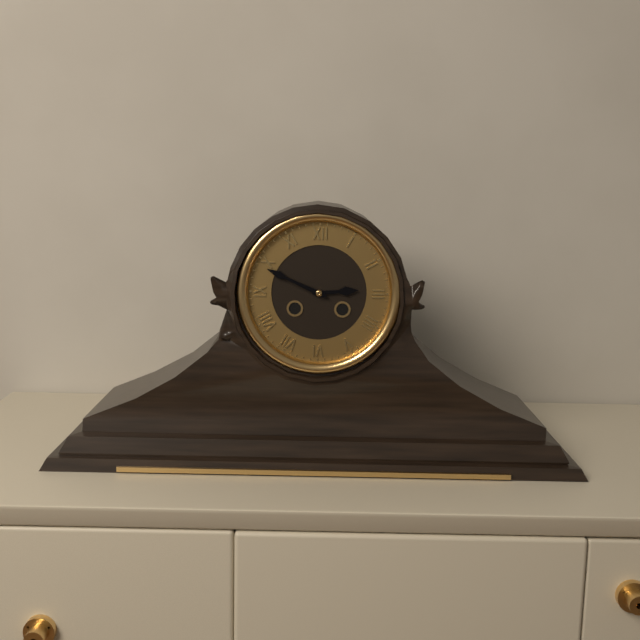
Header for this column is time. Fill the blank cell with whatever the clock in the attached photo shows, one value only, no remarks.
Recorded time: 2:49
